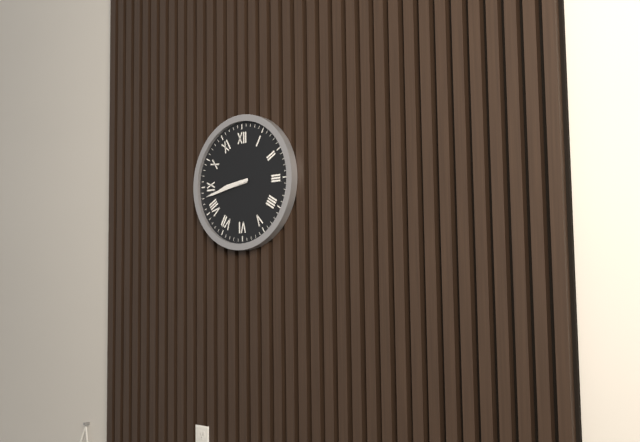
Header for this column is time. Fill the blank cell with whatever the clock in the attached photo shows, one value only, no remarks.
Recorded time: 8:43
